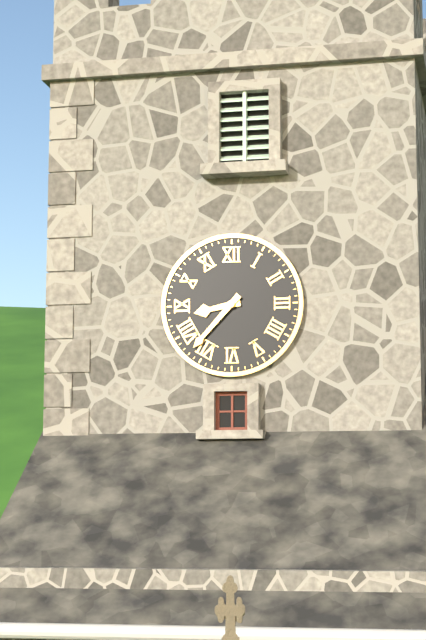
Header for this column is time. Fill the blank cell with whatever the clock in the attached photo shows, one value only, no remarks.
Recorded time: 8:37
